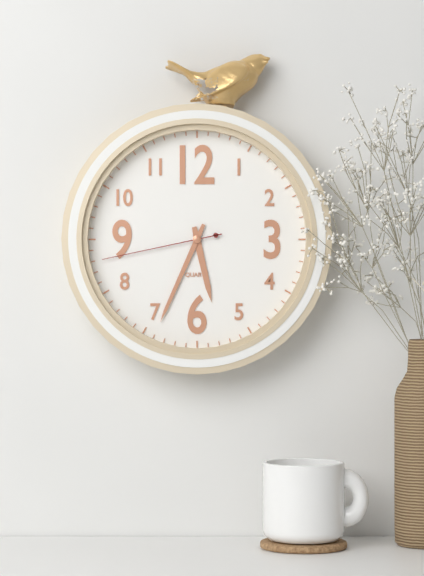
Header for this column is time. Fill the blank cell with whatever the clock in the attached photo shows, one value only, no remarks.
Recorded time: 5:34:43
